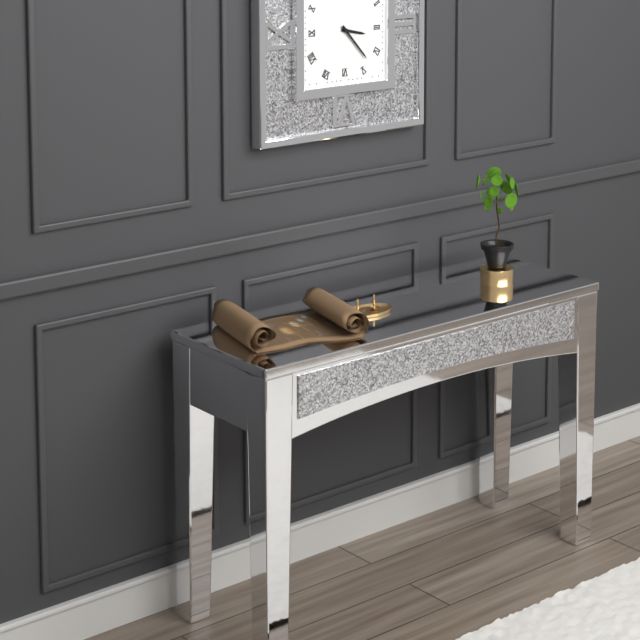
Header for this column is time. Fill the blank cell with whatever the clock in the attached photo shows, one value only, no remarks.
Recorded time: 3:23
